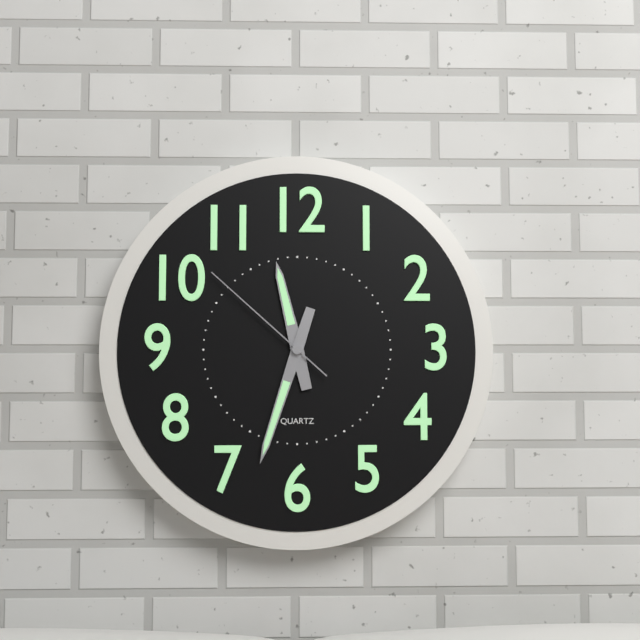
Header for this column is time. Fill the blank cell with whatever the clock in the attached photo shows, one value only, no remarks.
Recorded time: 11:33:52
